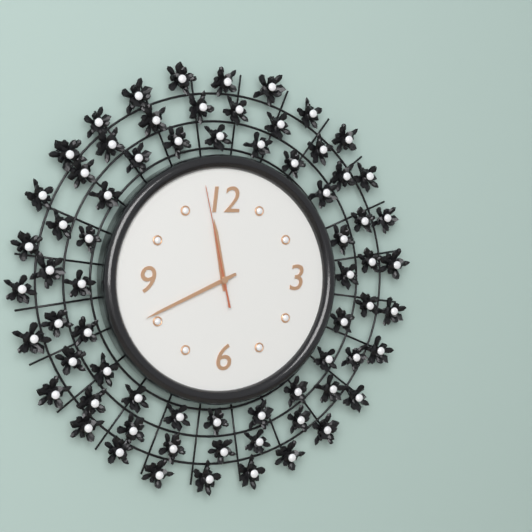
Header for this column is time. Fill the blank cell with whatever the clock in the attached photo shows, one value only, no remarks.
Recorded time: 11:41:58
